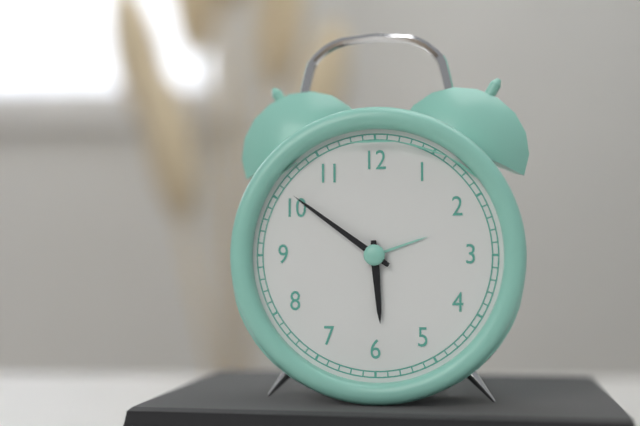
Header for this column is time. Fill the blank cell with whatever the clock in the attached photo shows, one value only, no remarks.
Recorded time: 5:51
